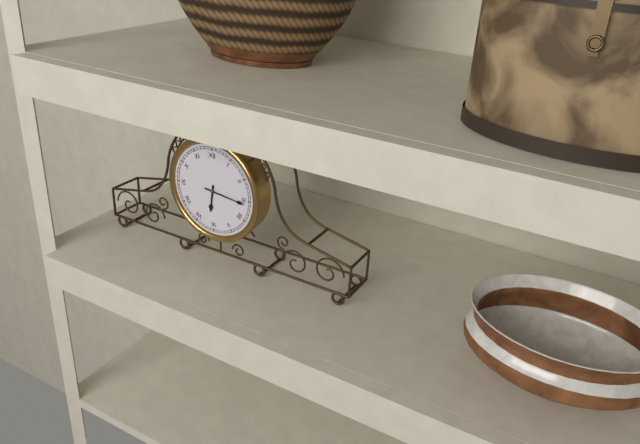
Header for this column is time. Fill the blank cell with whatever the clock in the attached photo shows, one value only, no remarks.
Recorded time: 6:16
